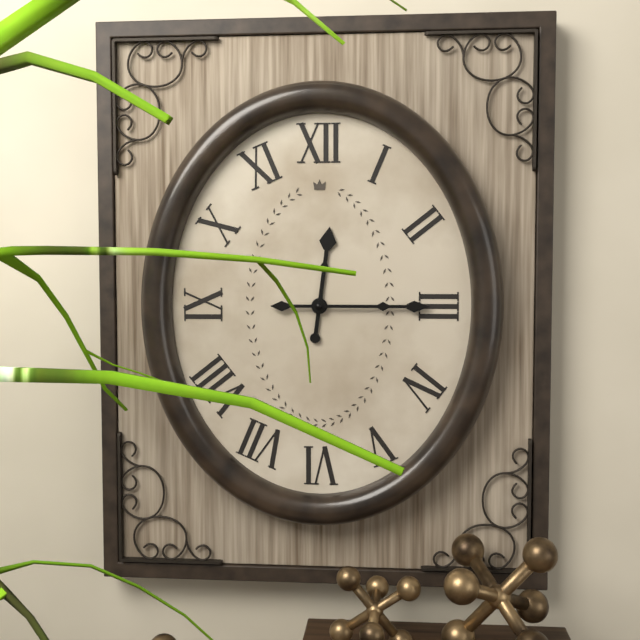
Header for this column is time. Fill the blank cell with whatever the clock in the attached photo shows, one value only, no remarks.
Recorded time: 12:15
